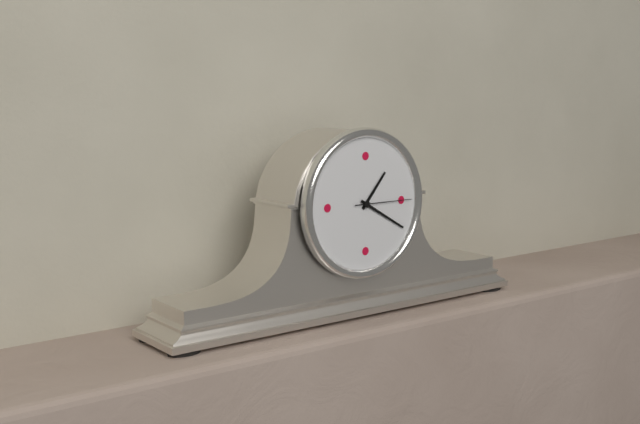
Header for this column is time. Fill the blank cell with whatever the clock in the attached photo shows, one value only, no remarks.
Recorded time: 1:20:15
